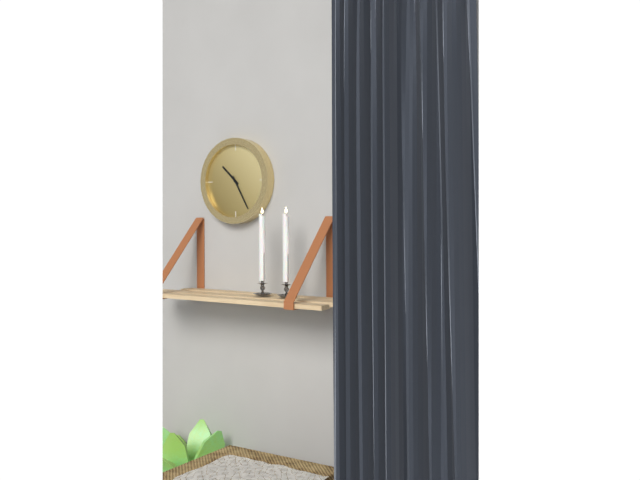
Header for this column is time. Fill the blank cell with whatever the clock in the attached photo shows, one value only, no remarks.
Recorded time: 10:25
